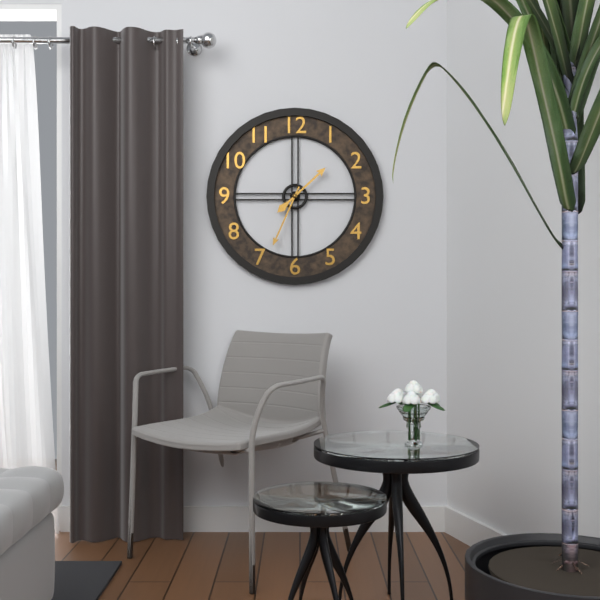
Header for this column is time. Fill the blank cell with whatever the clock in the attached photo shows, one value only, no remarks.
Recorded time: 1:34
